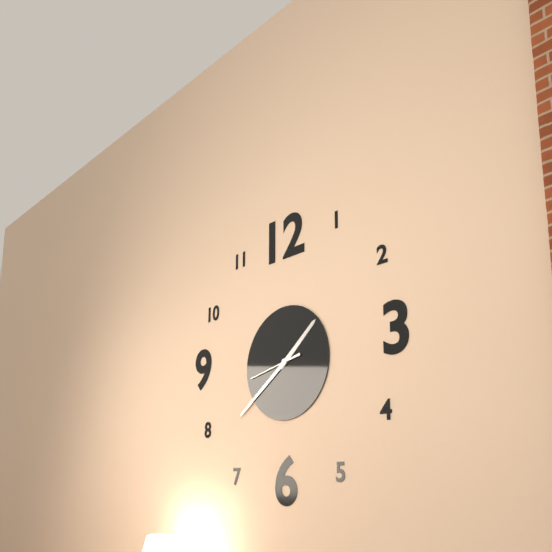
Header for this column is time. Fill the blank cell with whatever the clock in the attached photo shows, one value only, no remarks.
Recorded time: 1:39
